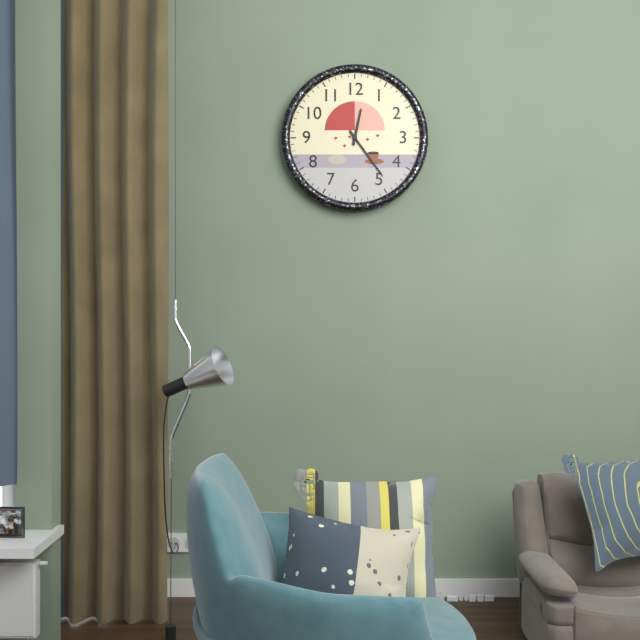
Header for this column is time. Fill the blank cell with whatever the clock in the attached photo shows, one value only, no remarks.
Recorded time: 12:24
